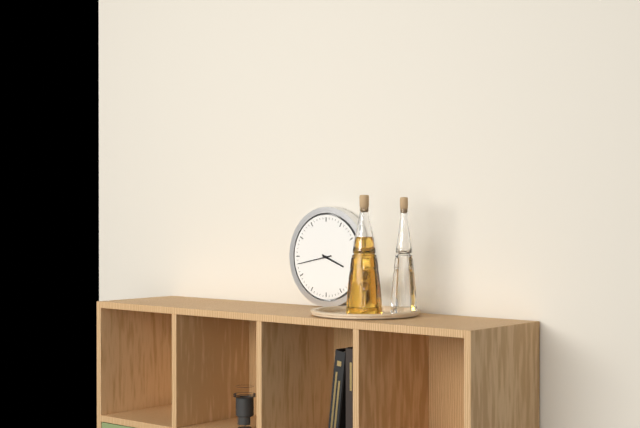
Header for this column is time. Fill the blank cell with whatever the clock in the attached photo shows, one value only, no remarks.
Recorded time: 3:43
